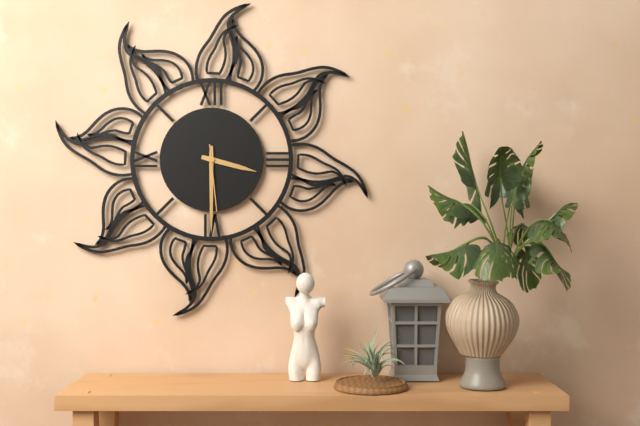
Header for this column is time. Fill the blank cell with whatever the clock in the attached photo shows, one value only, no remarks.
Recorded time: 3:30:29
